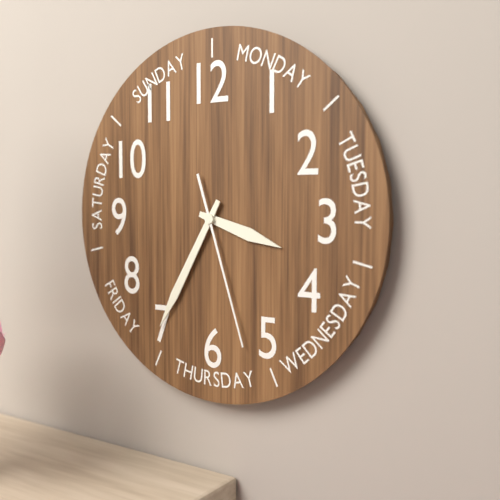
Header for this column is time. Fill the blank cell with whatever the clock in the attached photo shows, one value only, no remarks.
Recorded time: 3:35:27
